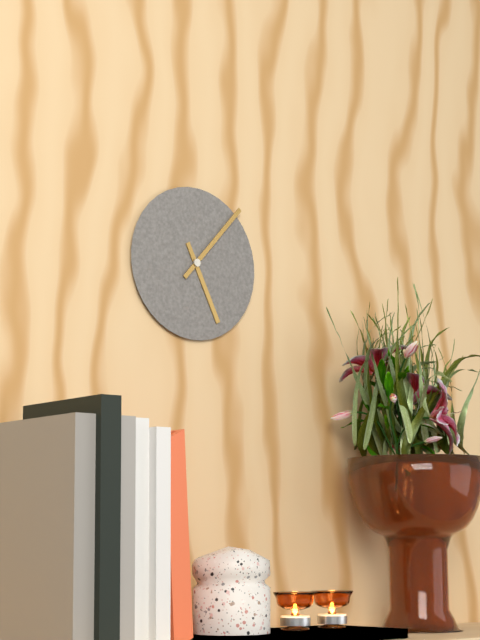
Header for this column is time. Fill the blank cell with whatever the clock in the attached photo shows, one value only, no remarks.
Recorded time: 5:07
